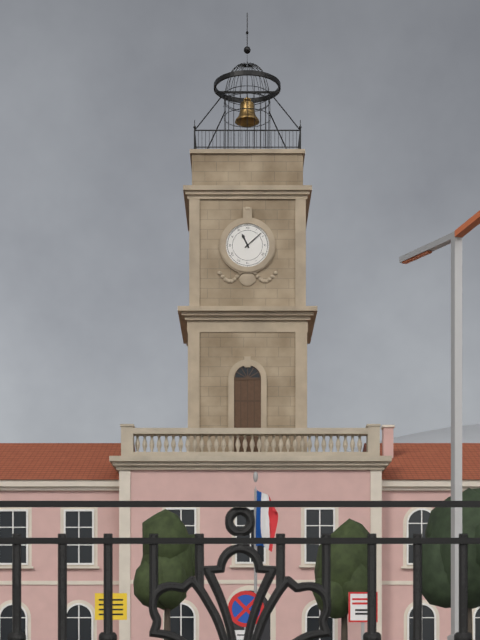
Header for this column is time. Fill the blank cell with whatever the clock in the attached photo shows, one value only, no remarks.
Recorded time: 11:08
